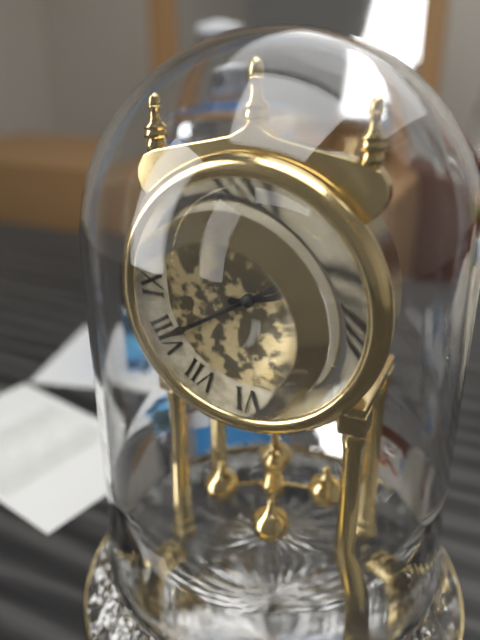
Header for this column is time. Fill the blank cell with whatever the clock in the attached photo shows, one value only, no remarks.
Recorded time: 2:40
